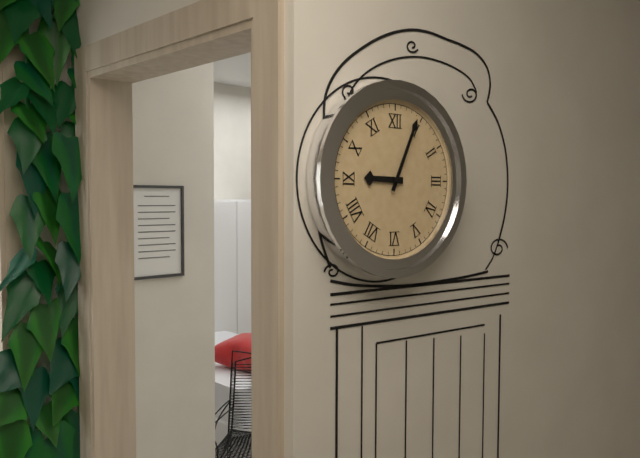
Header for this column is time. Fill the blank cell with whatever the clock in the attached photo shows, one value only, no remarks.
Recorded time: 9:04
